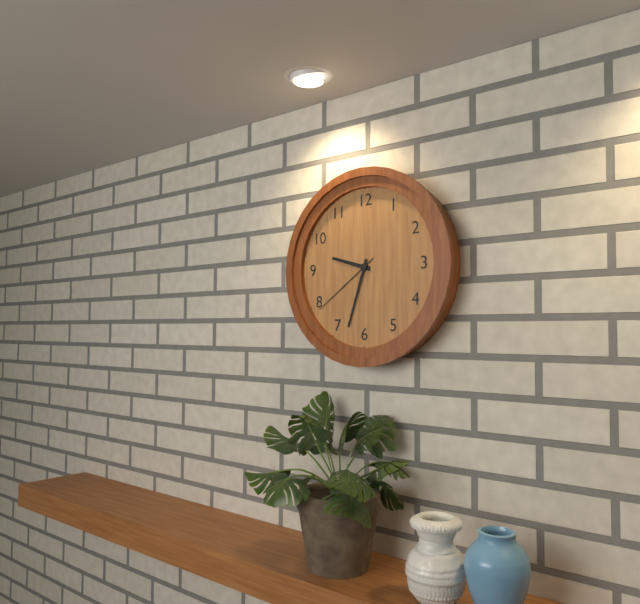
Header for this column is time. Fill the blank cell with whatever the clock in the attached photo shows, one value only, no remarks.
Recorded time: 9:33:39
